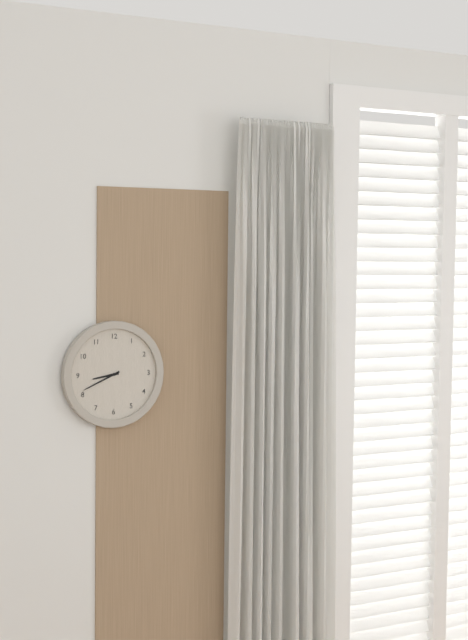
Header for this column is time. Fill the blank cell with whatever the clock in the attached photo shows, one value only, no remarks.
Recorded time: 8:41
